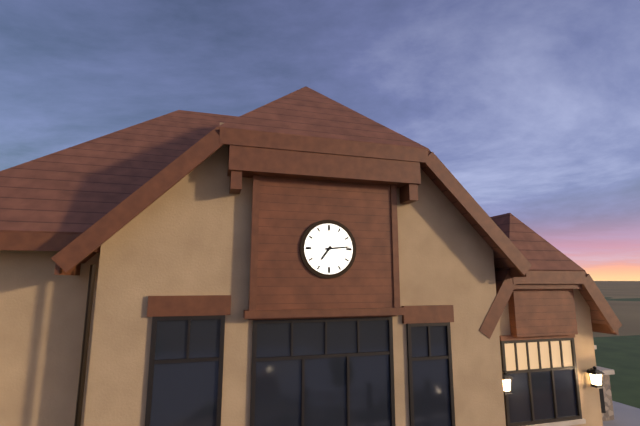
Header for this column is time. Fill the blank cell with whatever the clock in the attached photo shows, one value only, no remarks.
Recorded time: 7:14
